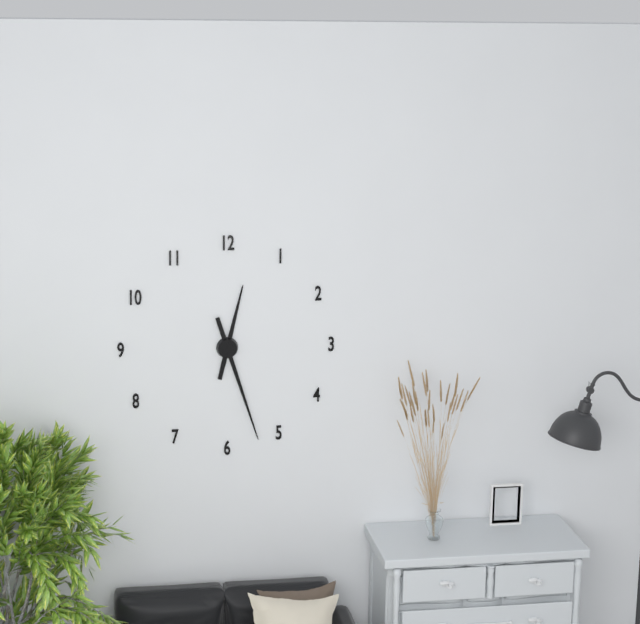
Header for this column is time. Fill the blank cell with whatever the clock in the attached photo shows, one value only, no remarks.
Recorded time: 12:27
